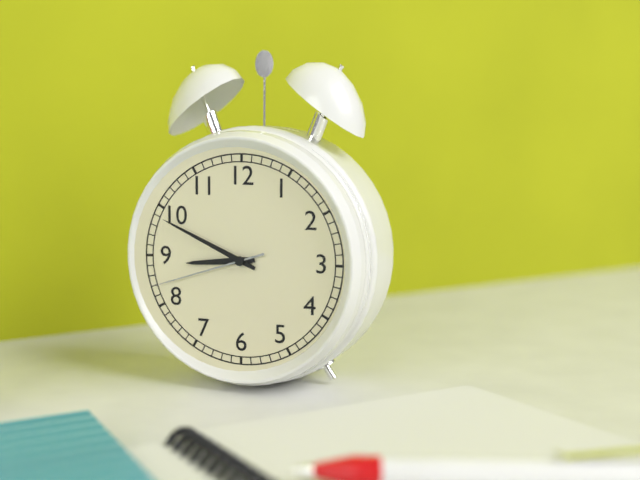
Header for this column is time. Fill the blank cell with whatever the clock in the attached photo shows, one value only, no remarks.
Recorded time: 8:49:42
